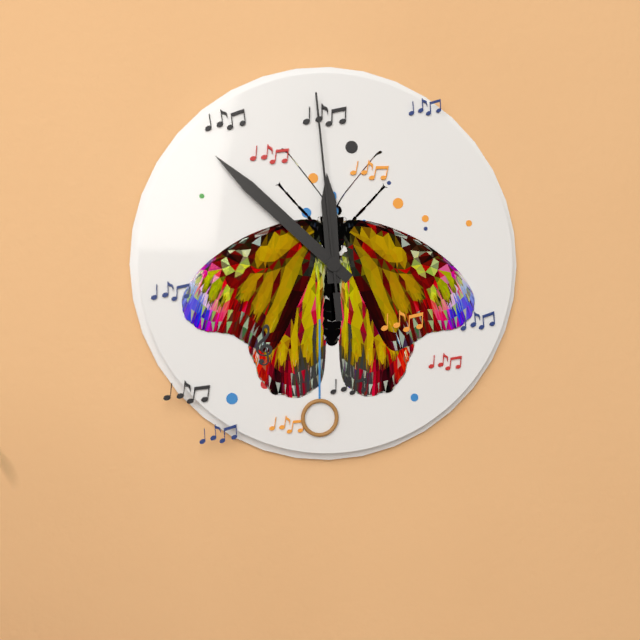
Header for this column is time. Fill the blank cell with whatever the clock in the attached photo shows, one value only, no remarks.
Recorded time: 11:52:59
